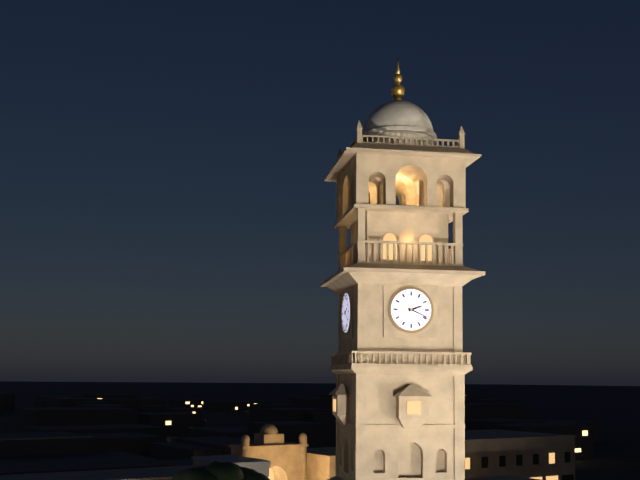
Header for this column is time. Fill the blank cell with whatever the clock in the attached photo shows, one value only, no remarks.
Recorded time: 2:19
